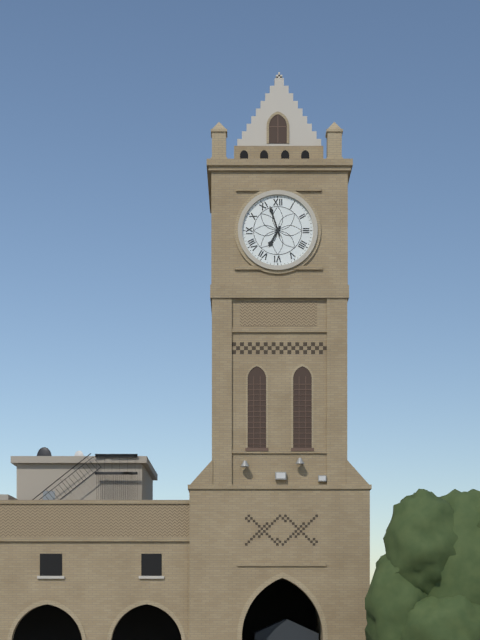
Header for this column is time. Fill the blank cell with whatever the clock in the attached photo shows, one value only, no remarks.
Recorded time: 6:57
